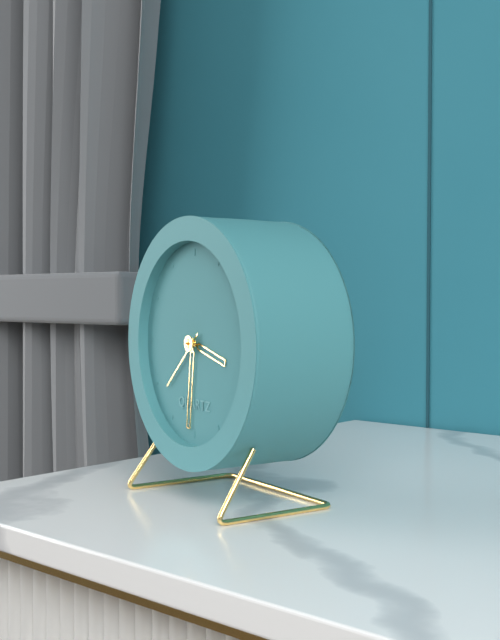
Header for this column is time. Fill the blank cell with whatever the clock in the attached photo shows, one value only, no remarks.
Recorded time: 3:31:38
